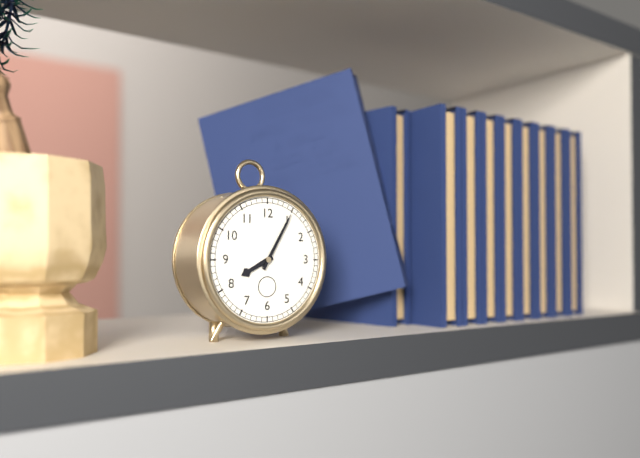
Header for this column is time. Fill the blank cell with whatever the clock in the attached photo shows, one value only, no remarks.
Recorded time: 8:05
